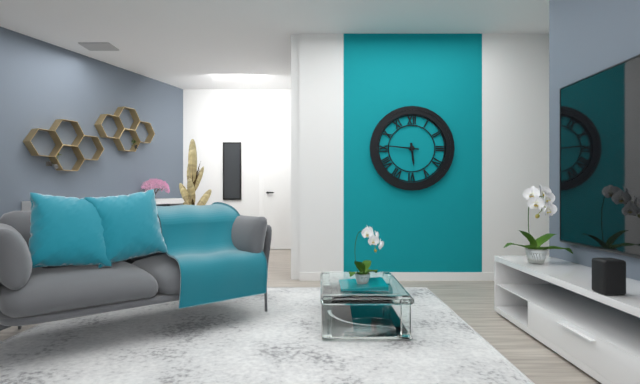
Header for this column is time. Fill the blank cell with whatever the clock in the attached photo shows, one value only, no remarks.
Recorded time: 5:46
